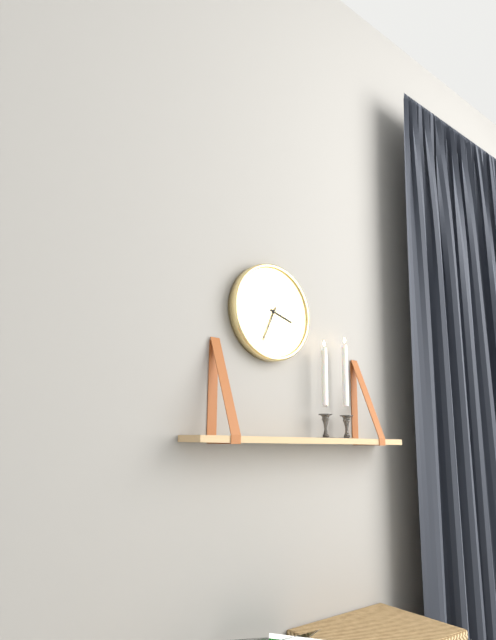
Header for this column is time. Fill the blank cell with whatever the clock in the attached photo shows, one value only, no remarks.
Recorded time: 3:34
